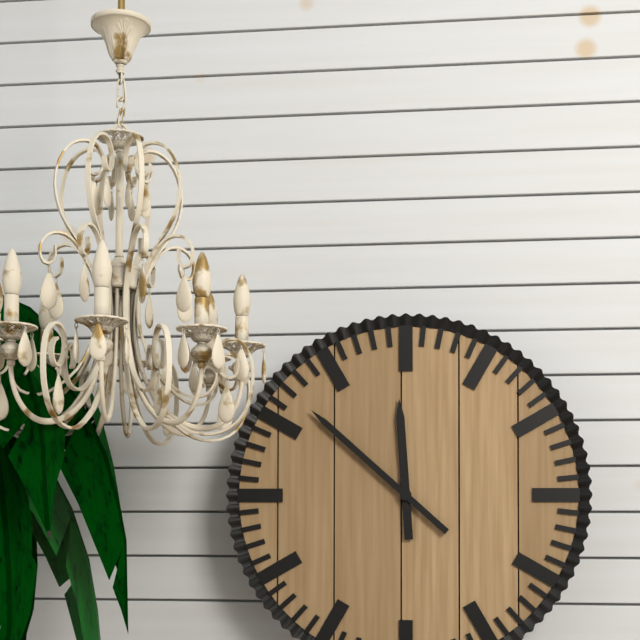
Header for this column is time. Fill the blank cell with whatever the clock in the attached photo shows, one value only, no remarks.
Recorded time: 11:52
